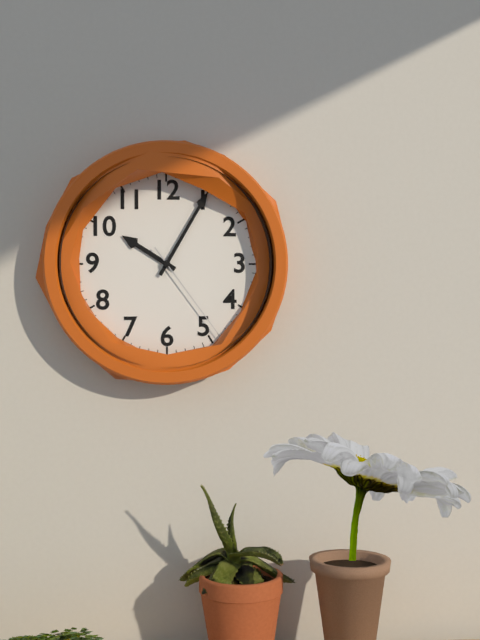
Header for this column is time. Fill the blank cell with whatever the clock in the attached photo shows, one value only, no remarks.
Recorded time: 10:05:24
